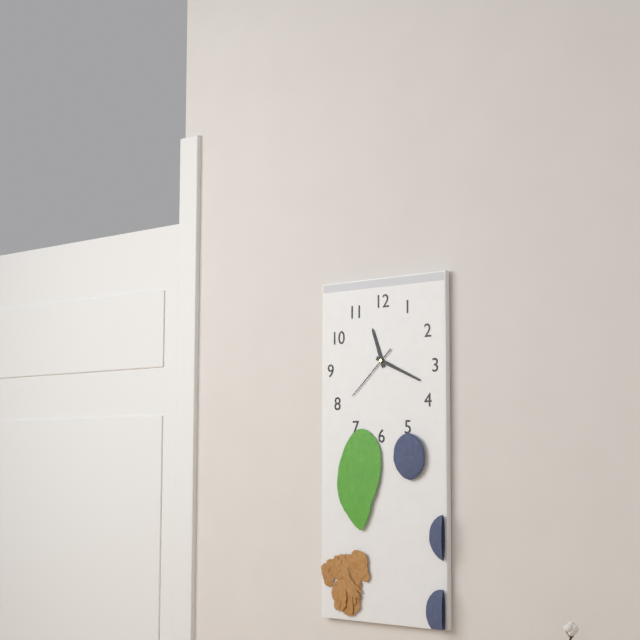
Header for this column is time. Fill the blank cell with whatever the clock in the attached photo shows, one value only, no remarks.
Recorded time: 11:19:38
